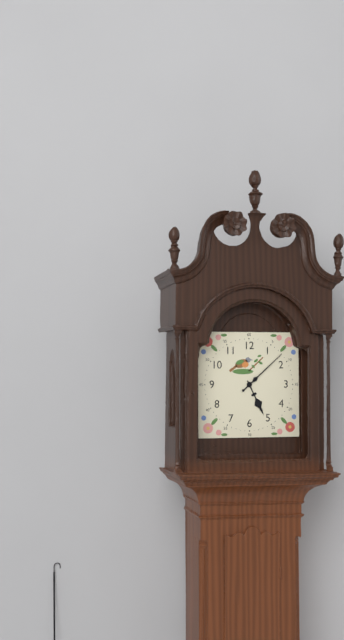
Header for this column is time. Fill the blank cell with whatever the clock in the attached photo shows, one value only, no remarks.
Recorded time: 5:08
